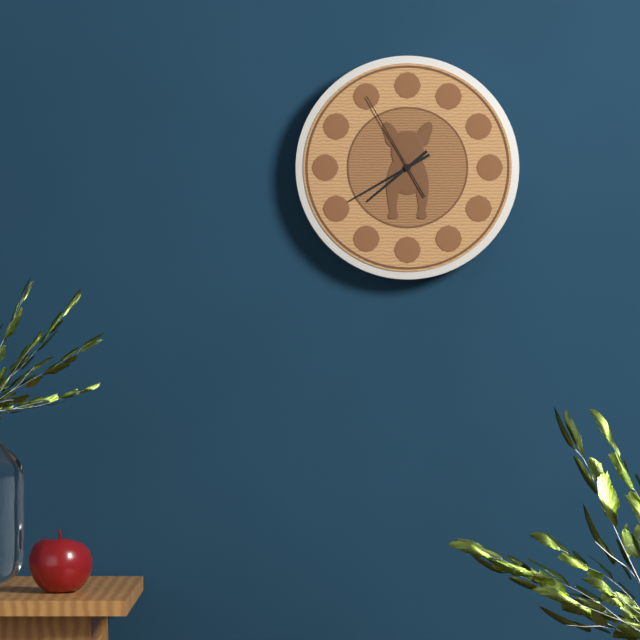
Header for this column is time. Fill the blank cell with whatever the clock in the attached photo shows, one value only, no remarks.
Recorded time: 7:40:55
